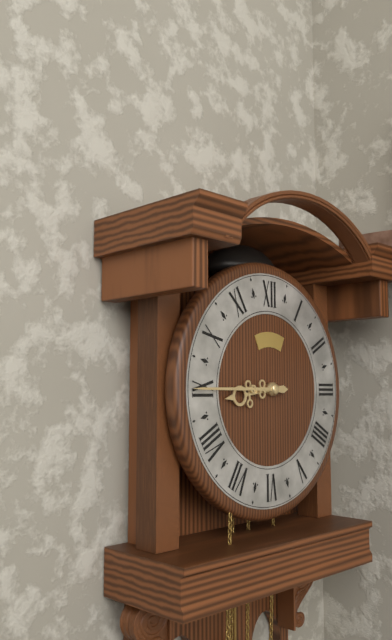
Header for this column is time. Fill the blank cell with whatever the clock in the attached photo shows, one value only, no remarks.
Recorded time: 8:45
